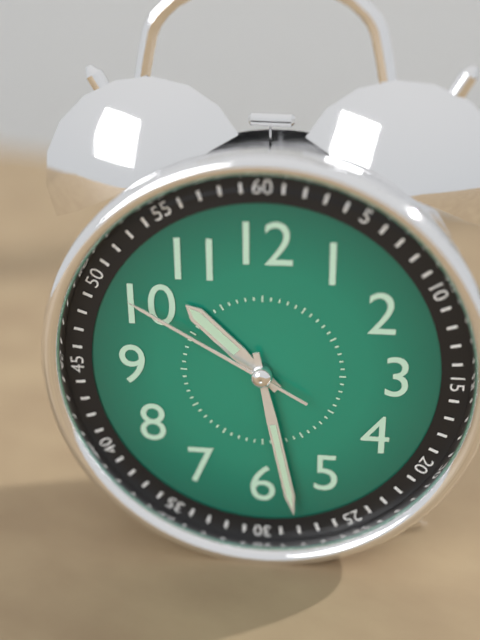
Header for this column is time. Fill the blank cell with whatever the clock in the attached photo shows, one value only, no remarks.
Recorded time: 10:28:50
